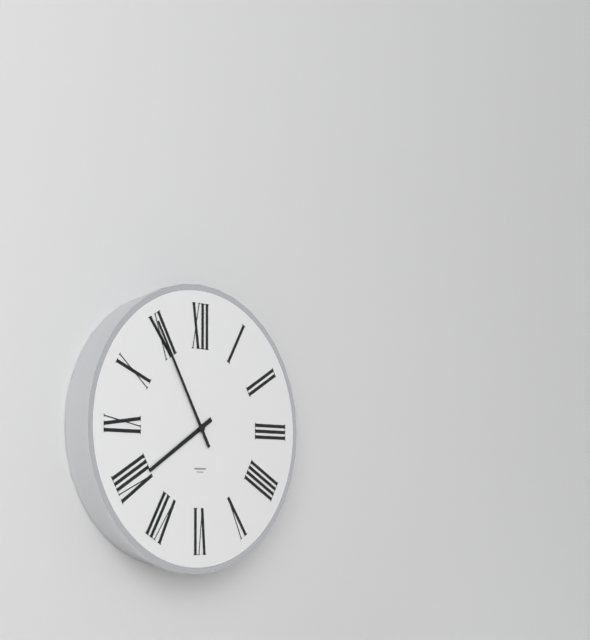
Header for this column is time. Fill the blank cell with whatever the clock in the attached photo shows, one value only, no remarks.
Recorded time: 7:55
